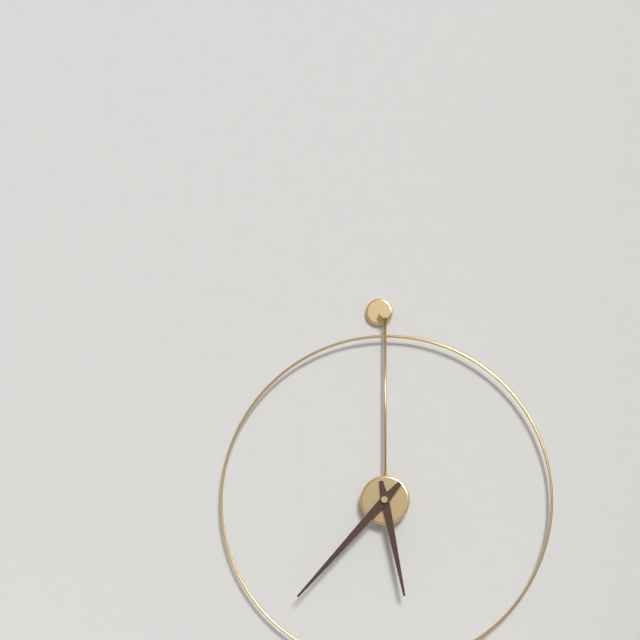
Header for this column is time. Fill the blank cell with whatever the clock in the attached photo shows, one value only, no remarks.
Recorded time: 5:37
